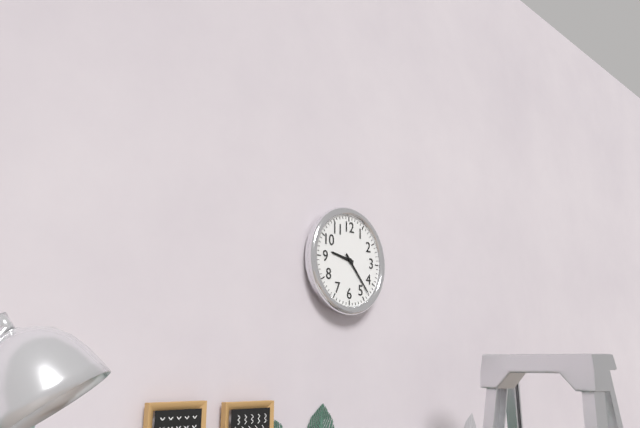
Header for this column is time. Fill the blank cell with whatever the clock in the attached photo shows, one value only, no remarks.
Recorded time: 9:23
